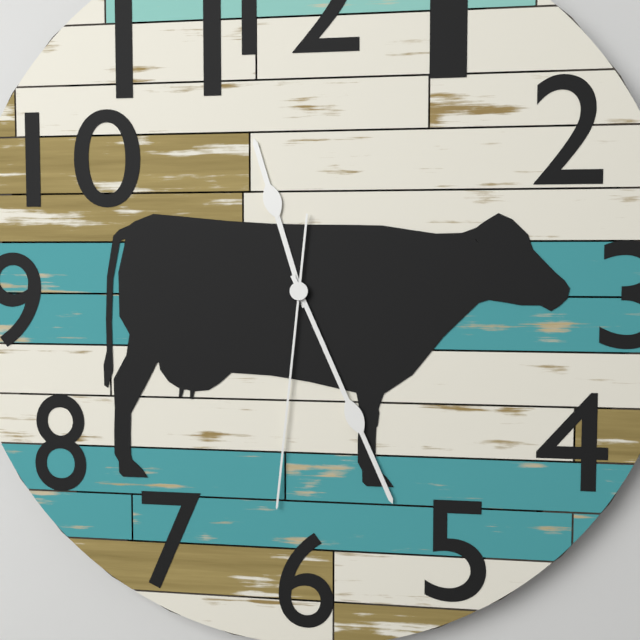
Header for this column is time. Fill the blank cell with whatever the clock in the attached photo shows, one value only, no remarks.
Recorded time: 11:26:31
